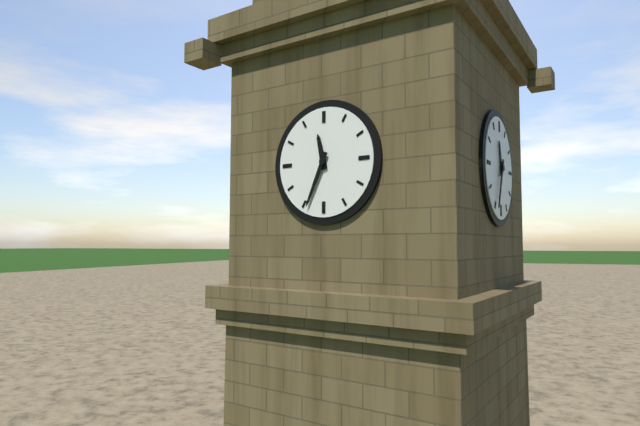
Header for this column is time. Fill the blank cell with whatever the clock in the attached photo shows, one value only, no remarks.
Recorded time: 11:34
